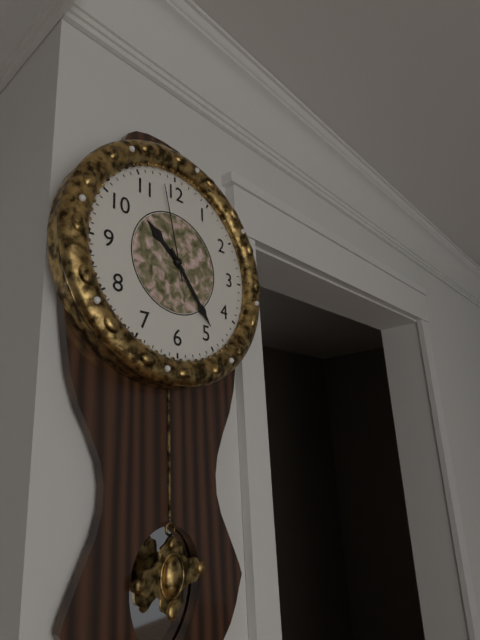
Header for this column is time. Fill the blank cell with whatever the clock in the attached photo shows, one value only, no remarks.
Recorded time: 10:24:58
